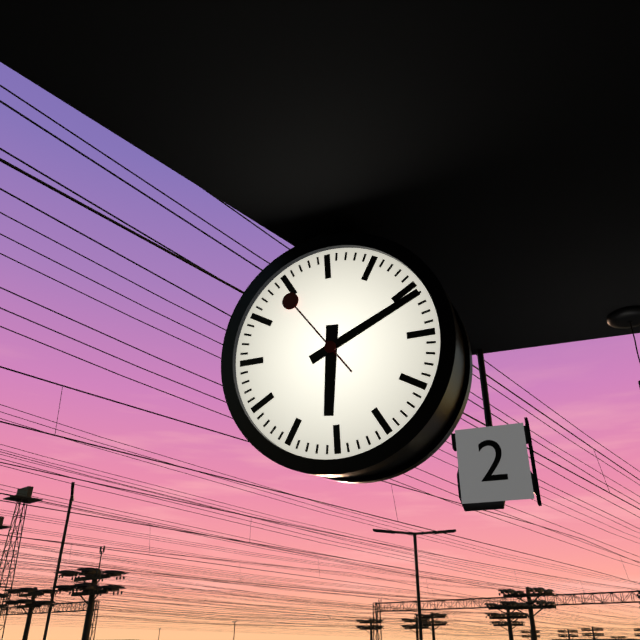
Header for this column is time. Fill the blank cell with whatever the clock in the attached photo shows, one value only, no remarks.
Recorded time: 6:11:54
